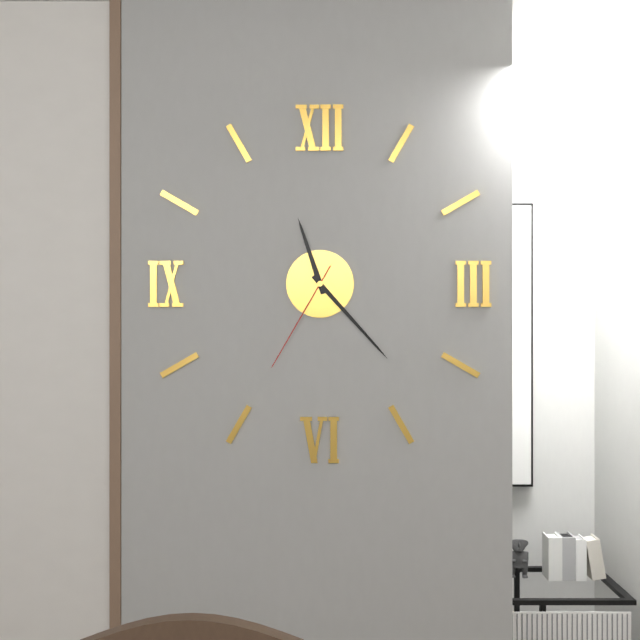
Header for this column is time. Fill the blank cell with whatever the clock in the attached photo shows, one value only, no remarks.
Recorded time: 11:23:35
